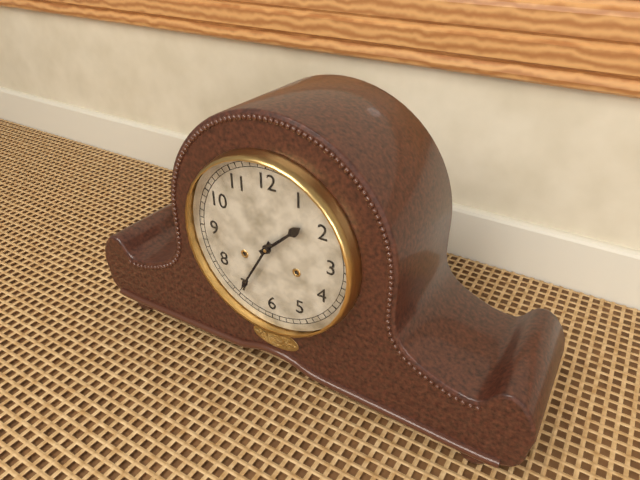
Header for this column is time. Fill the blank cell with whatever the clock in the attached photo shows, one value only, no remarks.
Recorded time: 1:35
